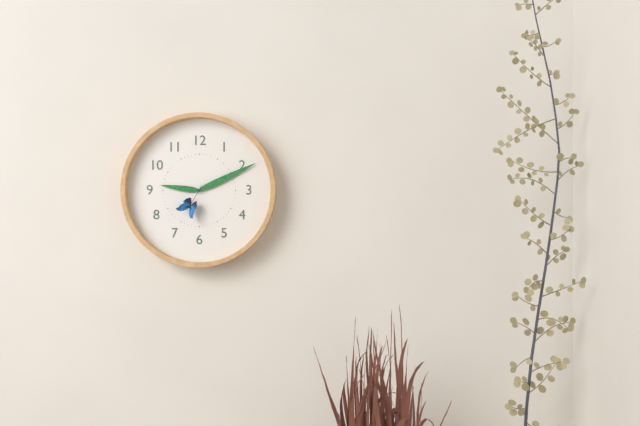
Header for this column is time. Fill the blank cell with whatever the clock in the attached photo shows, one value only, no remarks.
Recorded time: 9:11
